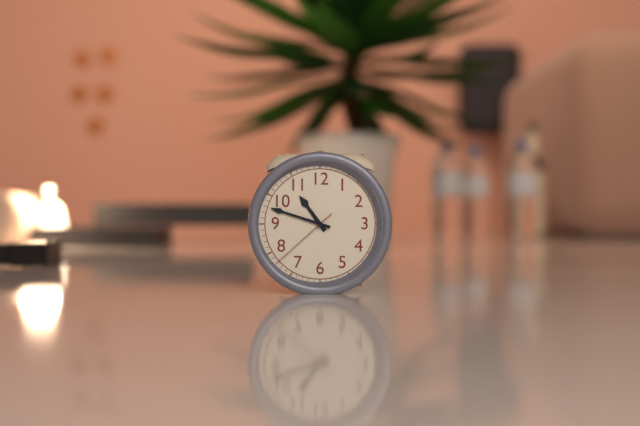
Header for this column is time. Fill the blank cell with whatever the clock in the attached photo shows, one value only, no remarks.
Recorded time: 10:48:38
